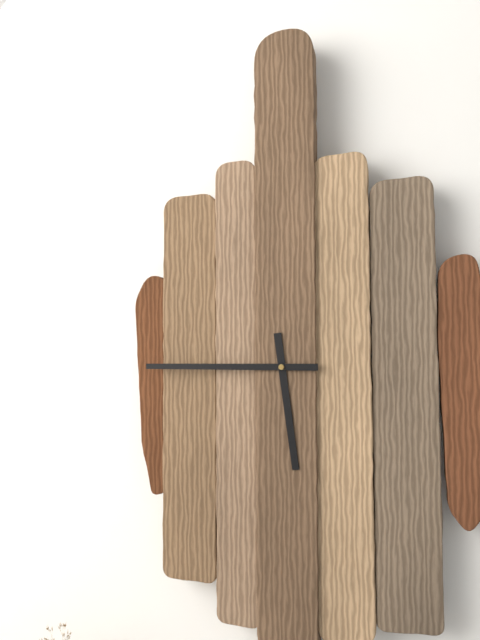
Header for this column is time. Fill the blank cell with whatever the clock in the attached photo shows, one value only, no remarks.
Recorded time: 5:45
